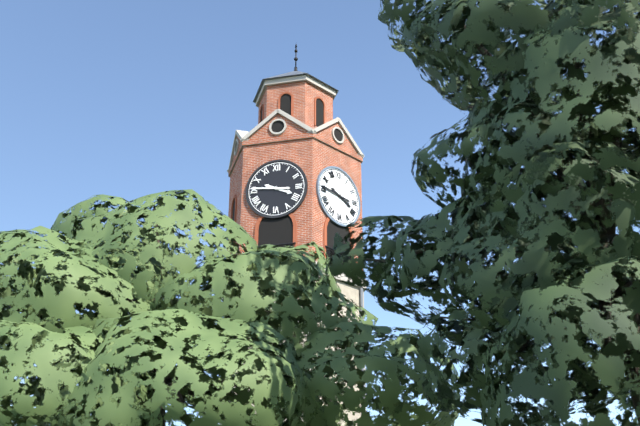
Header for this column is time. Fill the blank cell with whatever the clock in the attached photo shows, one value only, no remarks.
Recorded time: 3:46
